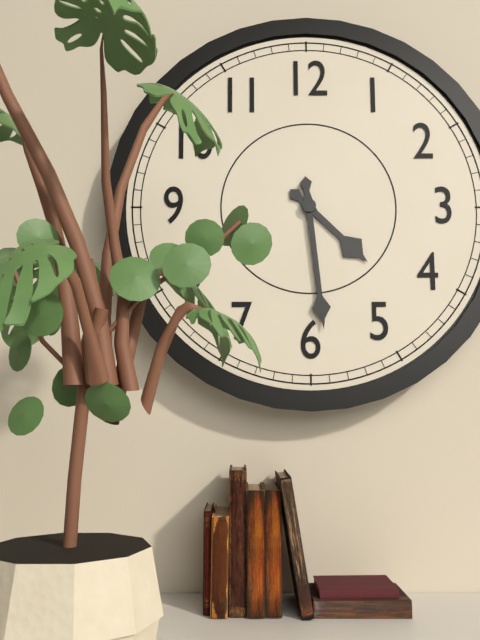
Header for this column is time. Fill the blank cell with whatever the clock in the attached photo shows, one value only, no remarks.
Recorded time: 4:29
